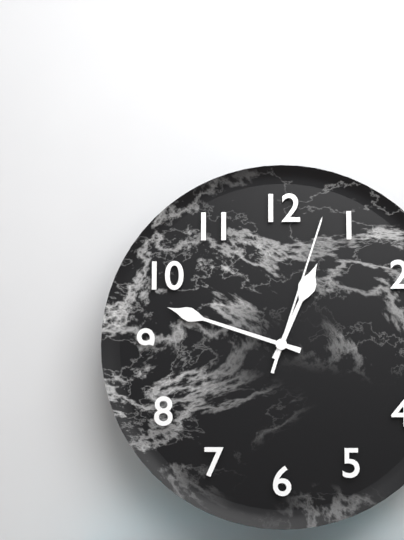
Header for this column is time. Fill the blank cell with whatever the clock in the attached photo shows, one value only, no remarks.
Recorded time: 12:48:03
